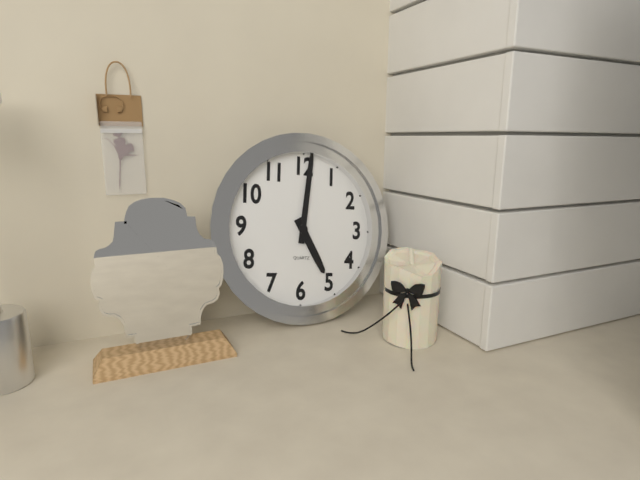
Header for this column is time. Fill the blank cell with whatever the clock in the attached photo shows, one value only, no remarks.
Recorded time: 5:01
